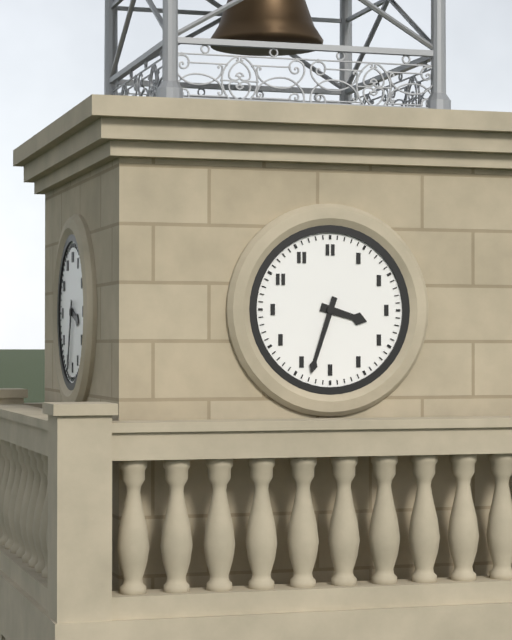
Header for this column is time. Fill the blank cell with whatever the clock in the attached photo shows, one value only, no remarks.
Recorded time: 3:33
